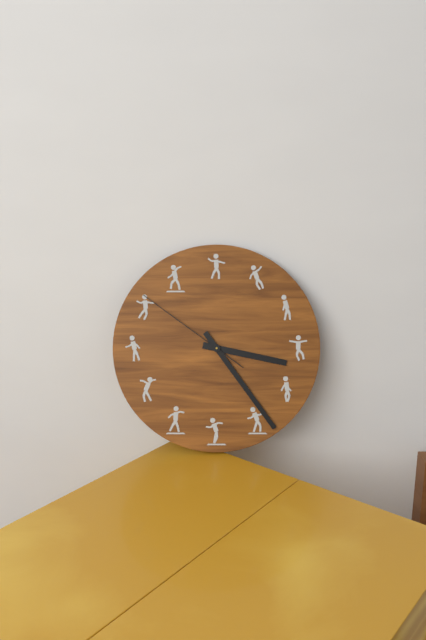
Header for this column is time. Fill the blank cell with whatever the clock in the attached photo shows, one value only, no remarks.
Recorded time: 3:24:51
